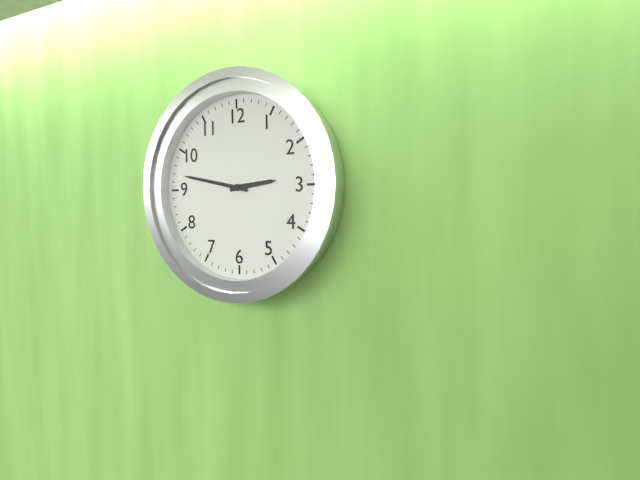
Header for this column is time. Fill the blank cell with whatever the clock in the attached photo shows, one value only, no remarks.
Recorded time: 2:47
